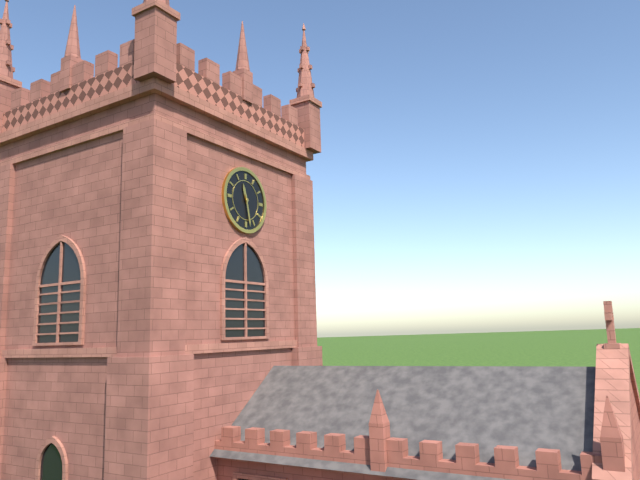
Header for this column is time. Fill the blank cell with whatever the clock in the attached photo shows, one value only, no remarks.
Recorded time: 11:28
